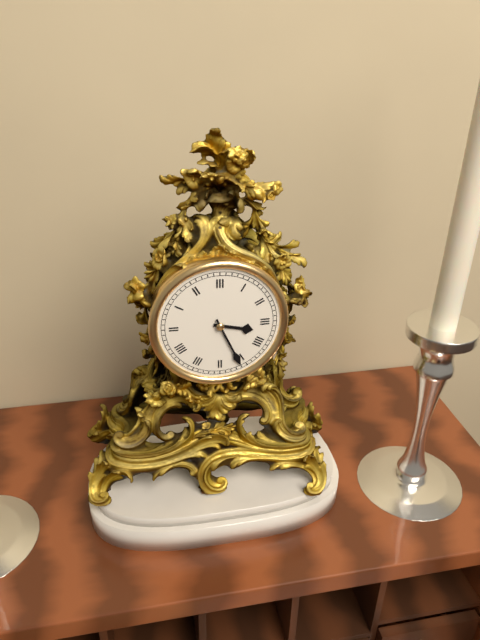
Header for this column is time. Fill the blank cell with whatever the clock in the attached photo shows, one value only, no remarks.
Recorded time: 3:26
